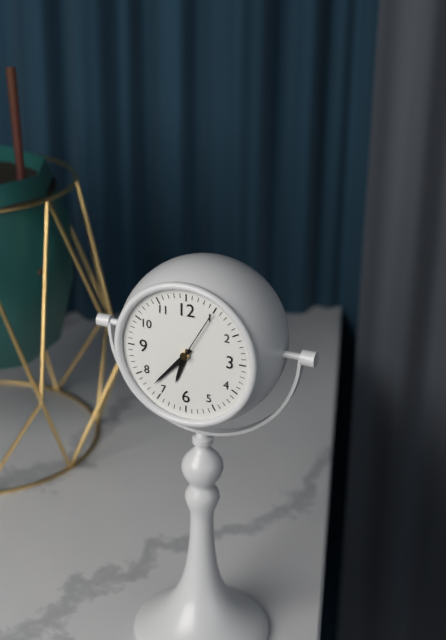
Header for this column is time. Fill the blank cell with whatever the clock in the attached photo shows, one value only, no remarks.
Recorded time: 6:37:05
